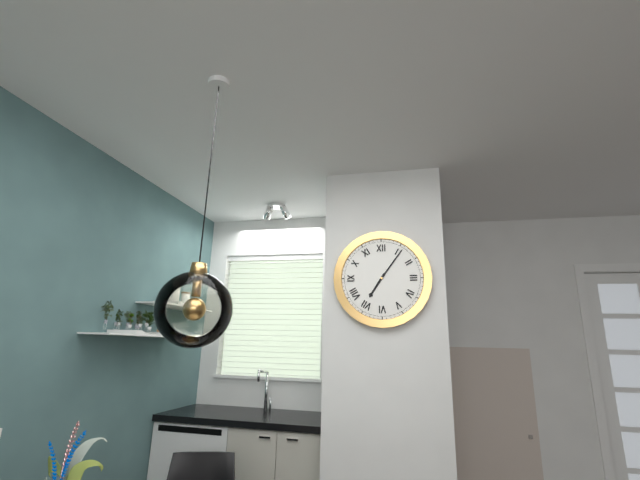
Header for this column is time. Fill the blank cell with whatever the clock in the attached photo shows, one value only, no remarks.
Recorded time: 7:06
